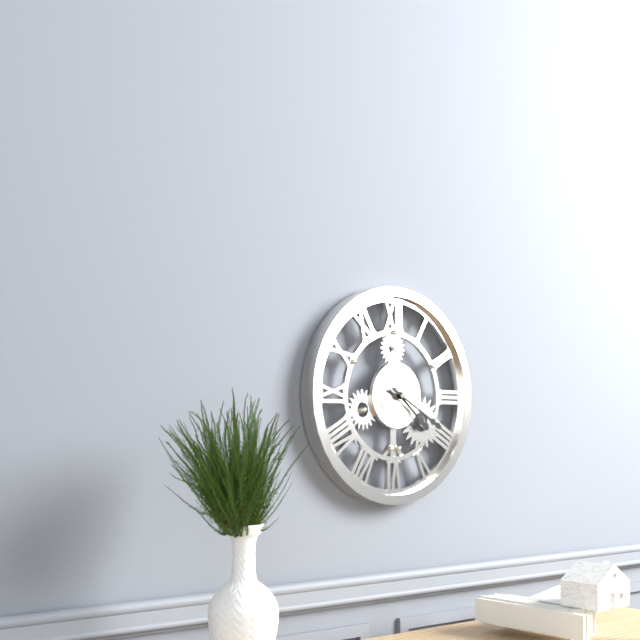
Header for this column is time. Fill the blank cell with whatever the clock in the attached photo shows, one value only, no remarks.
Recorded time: 4:20
